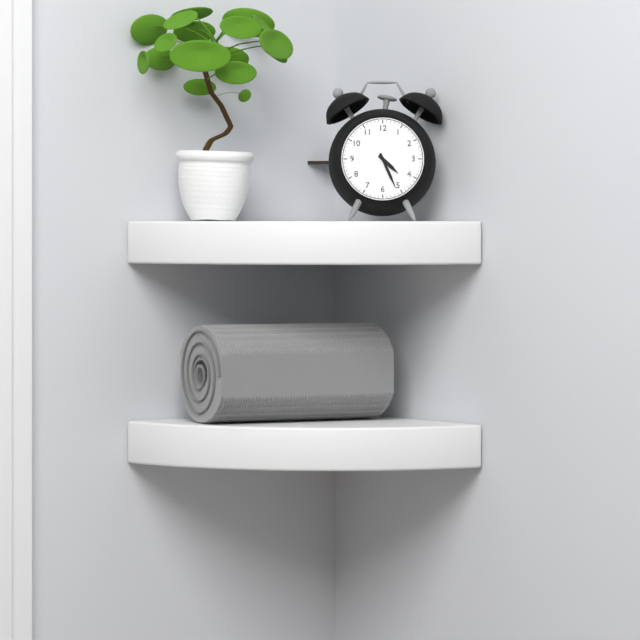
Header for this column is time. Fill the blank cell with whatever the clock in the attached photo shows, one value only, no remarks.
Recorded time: 4:26
